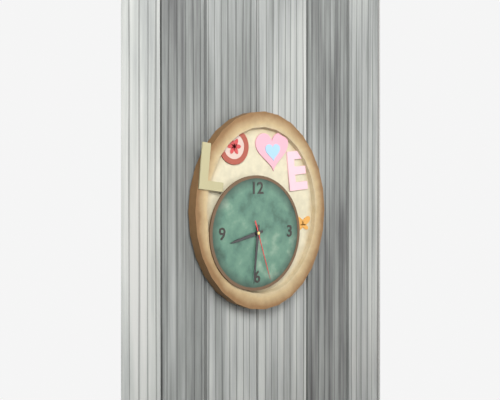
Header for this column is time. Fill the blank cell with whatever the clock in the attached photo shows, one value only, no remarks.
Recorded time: 8:31:27
